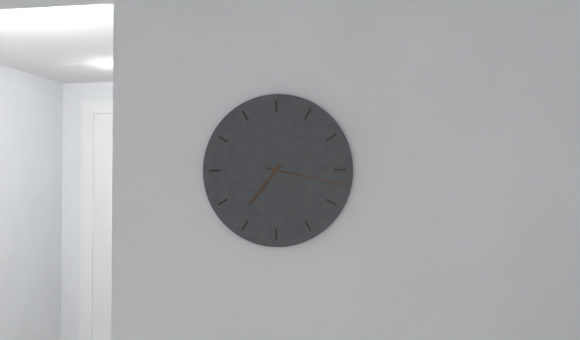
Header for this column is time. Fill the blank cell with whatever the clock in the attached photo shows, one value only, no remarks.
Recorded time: 7:17
